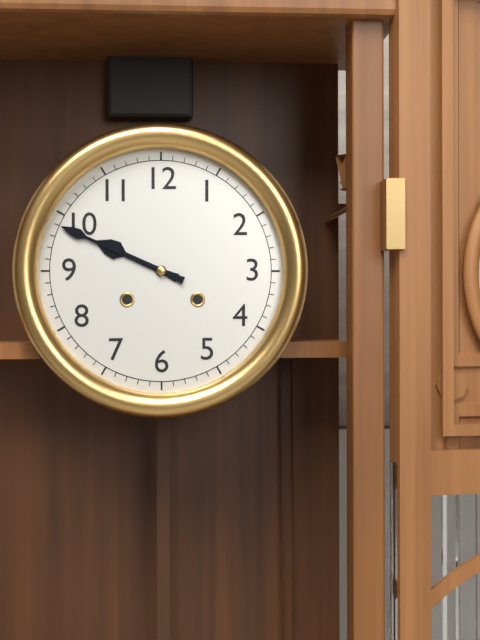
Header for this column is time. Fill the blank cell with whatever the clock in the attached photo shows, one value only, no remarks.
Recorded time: 9:49
